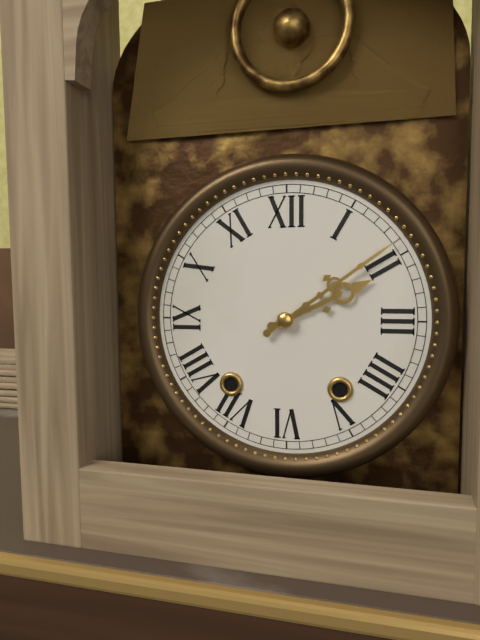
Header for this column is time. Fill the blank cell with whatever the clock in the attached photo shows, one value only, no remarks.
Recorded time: 2:09
